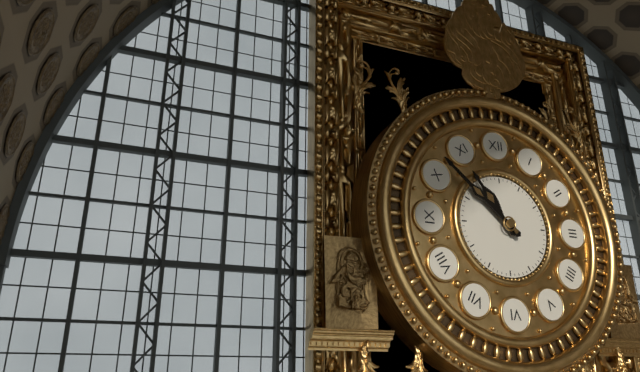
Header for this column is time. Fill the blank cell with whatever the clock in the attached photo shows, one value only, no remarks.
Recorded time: 10:52
